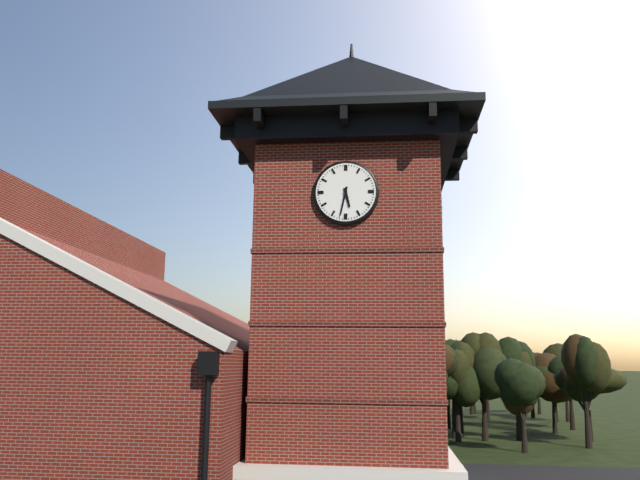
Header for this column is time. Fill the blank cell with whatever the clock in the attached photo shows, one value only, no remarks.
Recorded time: 5:32
